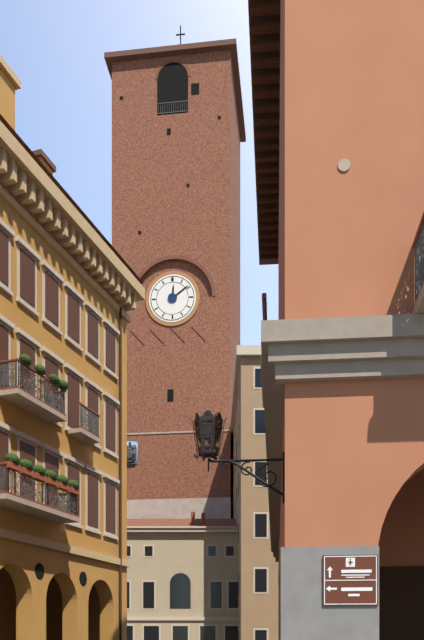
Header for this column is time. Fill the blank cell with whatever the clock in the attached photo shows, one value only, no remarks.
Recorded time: 12:09
